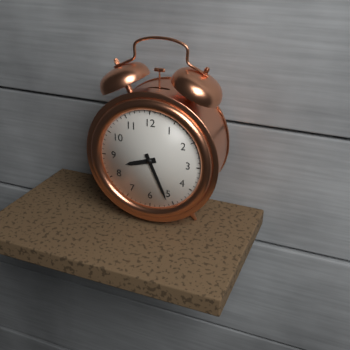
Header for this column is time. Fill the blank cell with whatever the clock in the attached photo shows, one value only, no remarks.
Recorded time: 8:26
